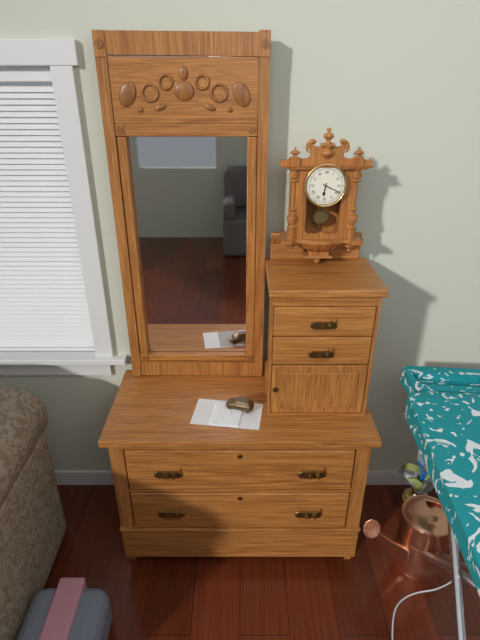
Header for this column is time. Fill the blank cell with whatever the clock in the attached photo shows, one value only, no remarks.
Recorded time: 6:19
